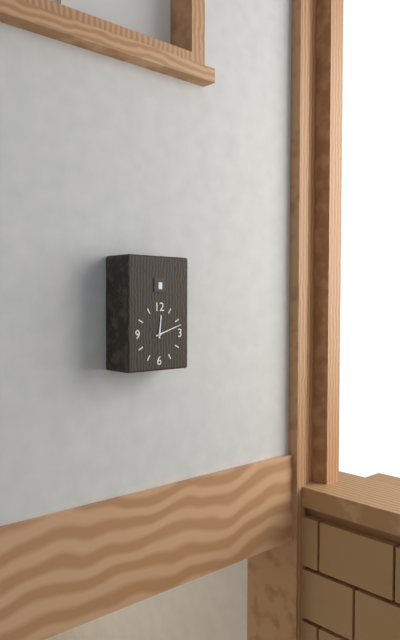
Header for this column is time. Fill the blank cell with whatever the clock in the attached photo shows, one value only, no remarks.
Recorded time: 12:12
